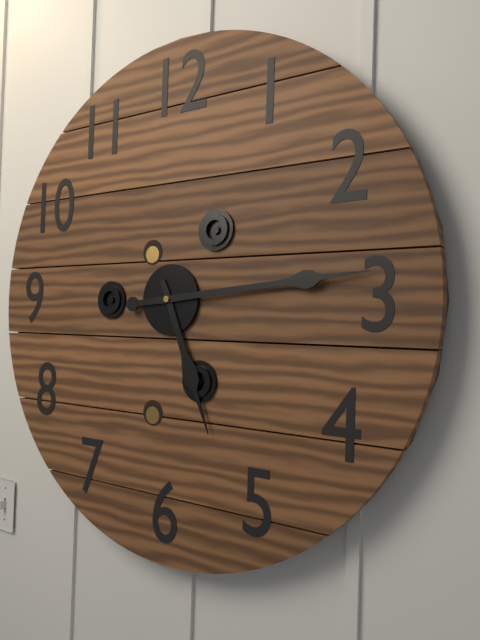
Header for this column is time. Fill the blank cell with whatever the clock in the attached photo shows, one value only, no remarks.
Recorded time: 5:14
